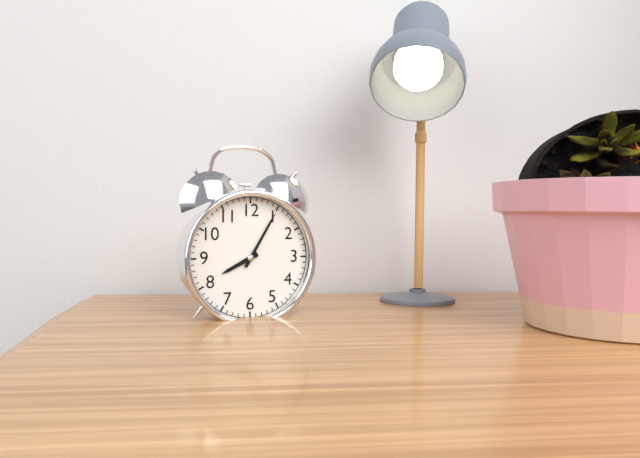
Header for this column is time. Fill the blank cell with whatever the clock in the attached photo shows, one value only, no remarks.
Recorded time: 8:05
